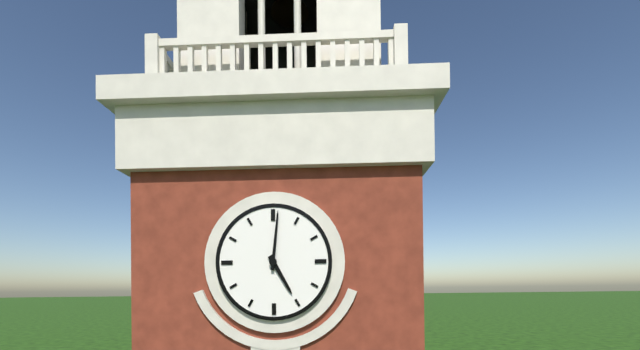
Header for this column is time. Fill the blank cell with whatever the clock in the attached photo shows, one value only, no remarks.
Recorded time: 5:01
